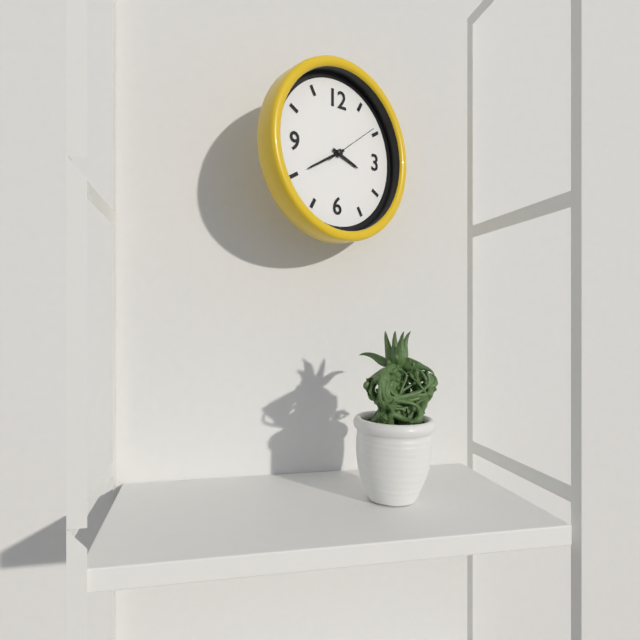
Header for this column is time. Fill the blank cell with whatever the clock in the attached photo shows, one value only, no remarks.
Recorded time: 3:40:09
